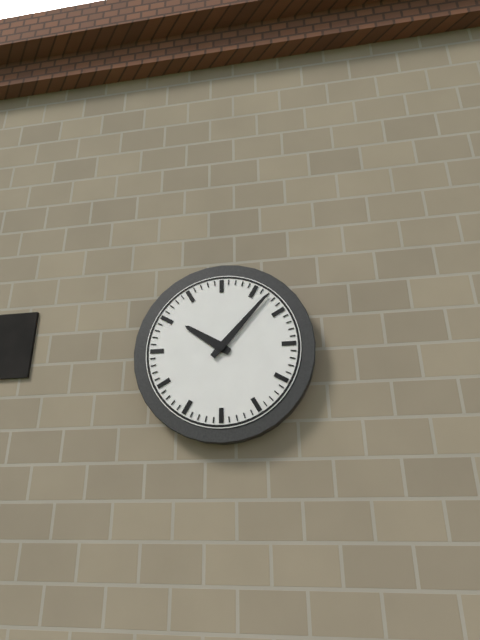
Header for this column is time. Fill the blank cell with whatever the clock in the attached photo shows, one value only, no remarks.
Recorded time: 10:07
